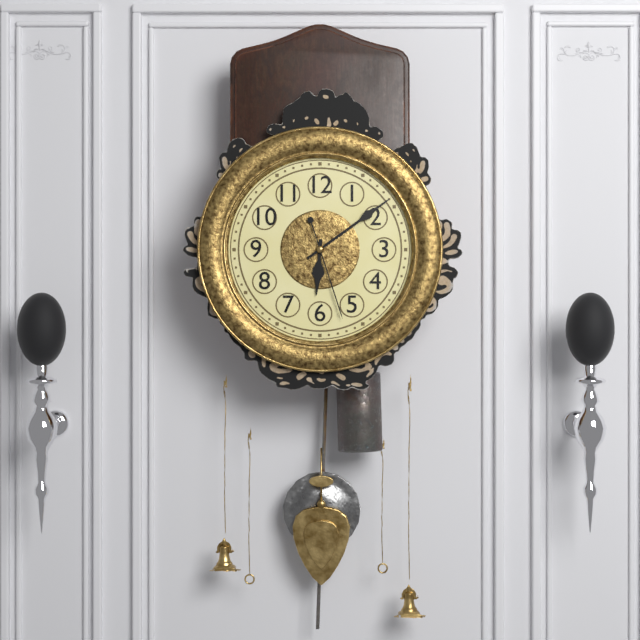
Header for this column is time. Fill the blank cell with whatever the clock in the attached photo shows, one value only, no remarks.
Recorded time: 6:09:27
